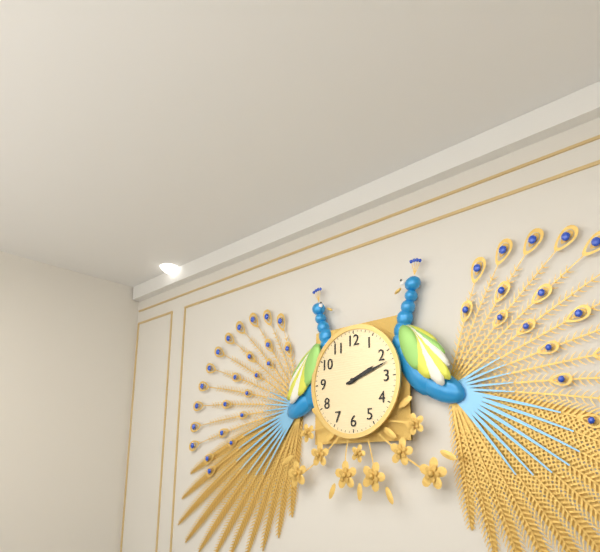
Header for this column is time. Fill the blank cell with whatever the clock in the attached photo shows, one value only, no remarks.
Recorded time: 2:12
